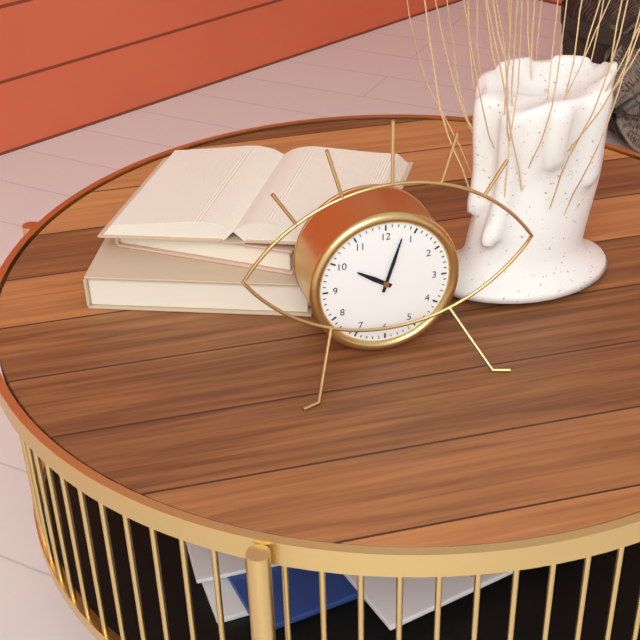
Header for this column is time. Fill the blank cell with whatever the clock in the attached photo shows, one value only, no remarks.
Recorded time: 10:03
